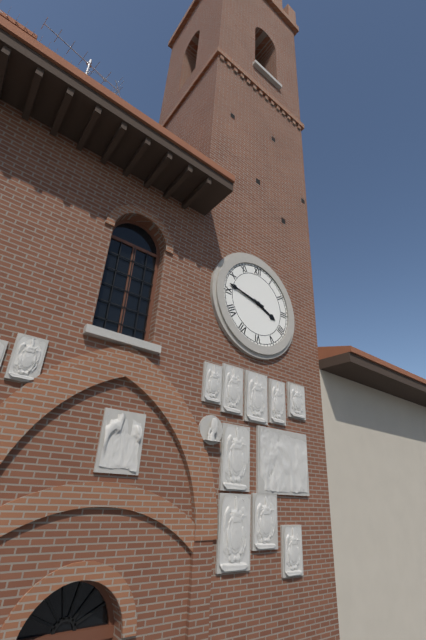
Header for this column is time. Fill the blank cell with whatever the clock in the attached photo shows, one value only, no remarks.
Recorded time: 3:47
